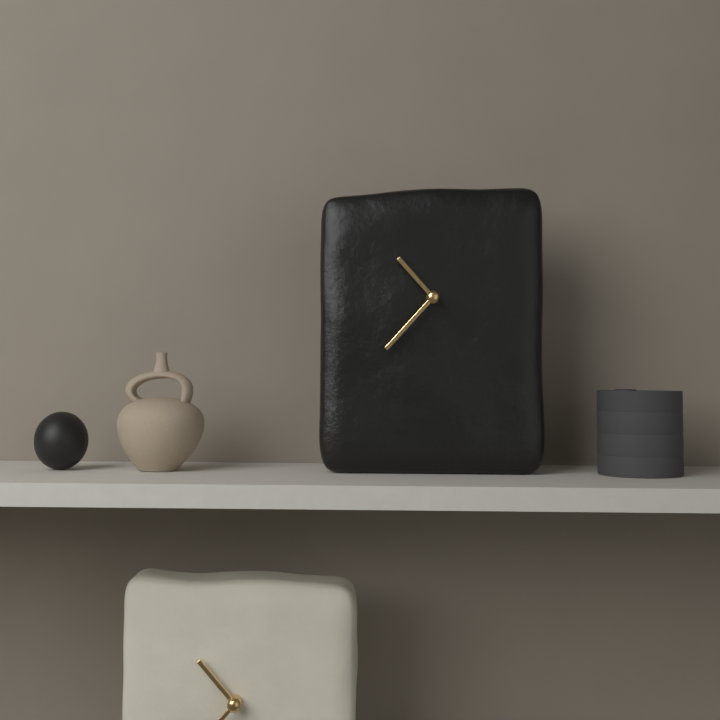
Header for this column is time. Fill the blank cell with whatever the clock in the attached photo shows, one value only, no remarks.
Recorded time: 10:37
